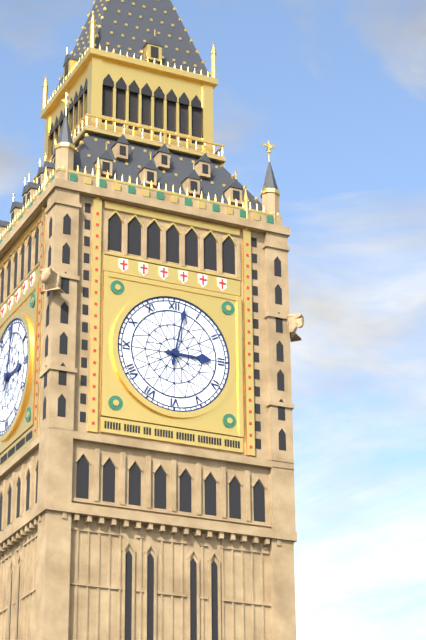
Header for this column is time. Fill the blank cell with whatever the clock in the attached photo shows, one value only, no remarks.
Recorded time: 3:02
